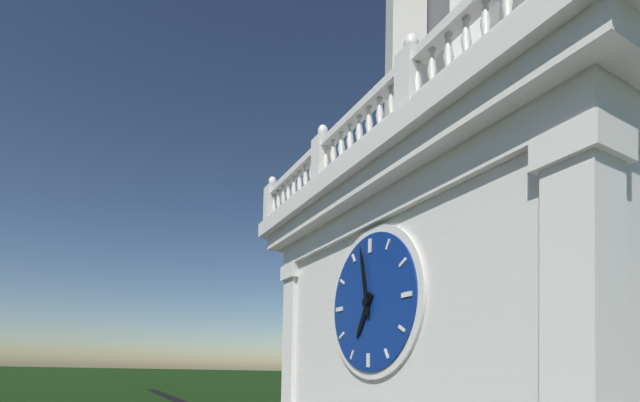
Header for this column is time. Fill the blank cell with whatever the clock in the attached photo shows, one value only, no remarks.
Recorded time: 6:58
